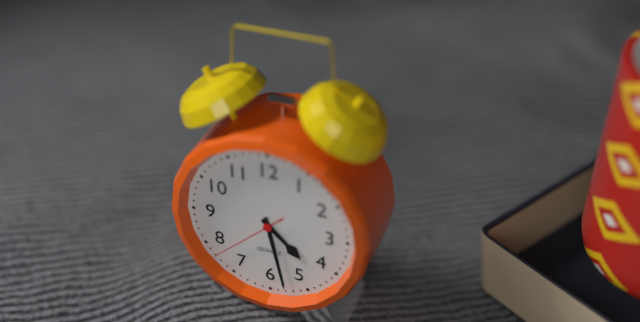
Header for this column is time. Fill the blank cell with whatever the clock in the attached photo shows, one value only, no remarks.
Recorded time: 4:28:38
